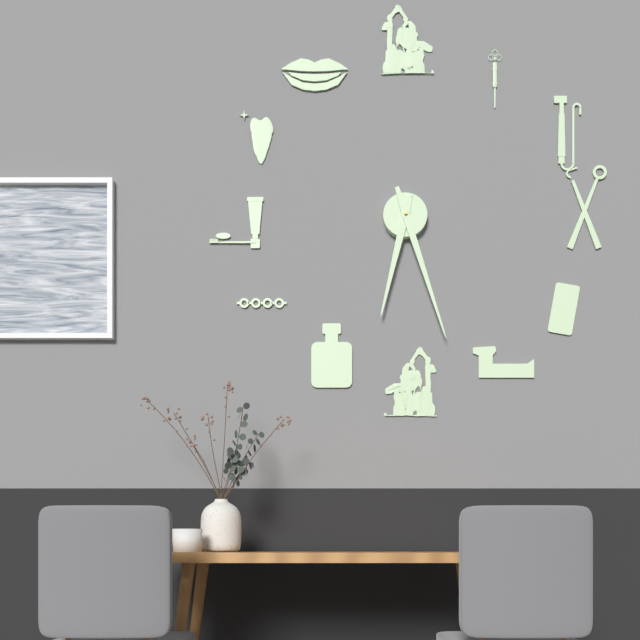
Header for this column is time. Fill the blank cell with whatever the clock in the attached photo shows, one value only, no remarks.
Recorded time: 6:27
